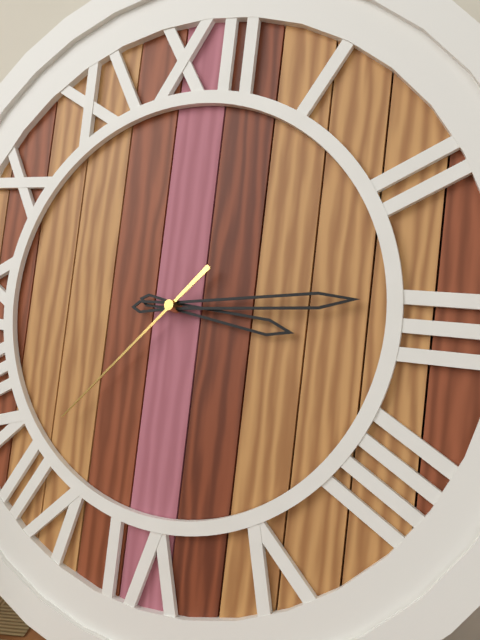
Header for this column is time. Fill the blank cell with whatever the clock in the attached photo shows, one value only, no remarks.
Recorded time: 3:14:37
